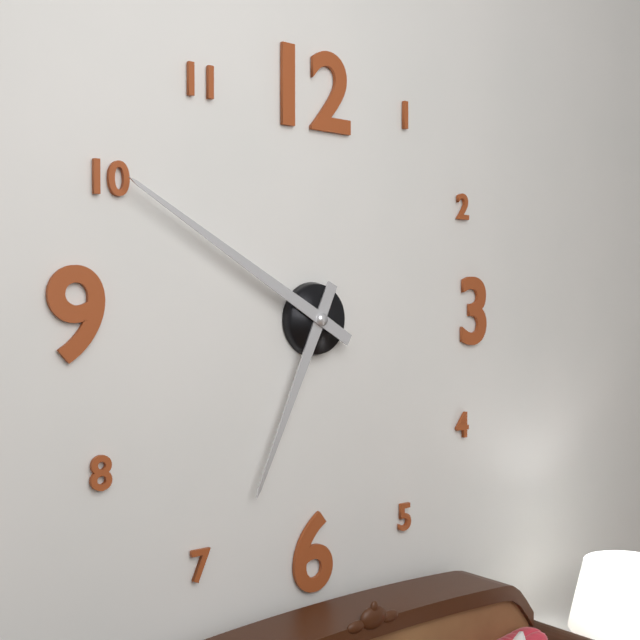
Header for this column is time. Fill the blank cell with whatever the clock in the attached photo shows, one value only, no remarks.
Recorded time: 6:50
